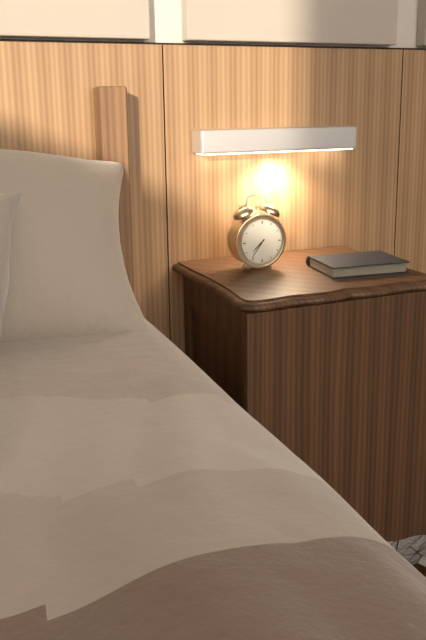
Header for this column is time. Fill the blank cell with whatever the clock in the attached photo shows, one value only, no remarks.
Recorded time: 7:36
